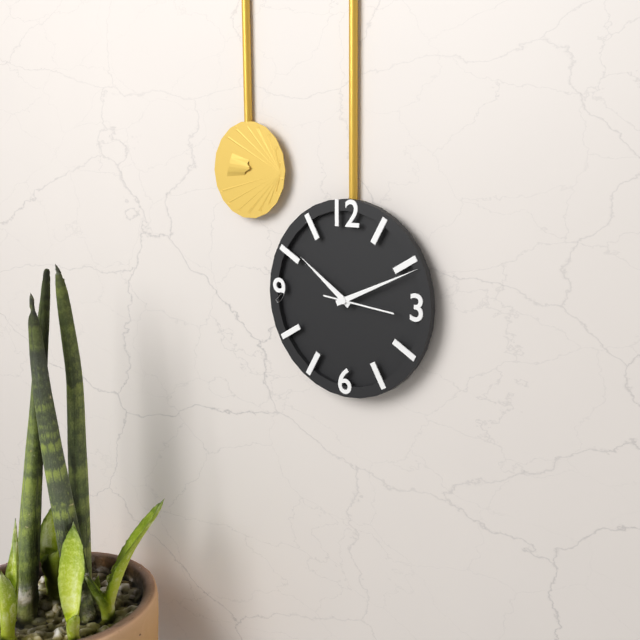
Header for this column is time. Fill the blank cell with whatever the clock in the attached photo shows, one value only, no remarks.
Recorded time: 10:11:16
